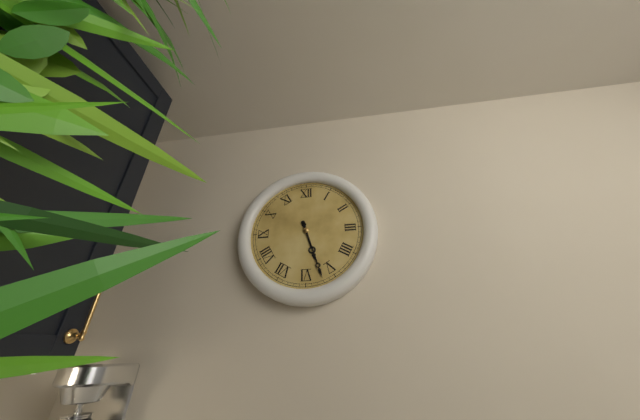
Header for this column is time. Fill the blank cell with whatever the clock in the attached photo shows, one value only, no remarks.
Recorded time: 5:27
